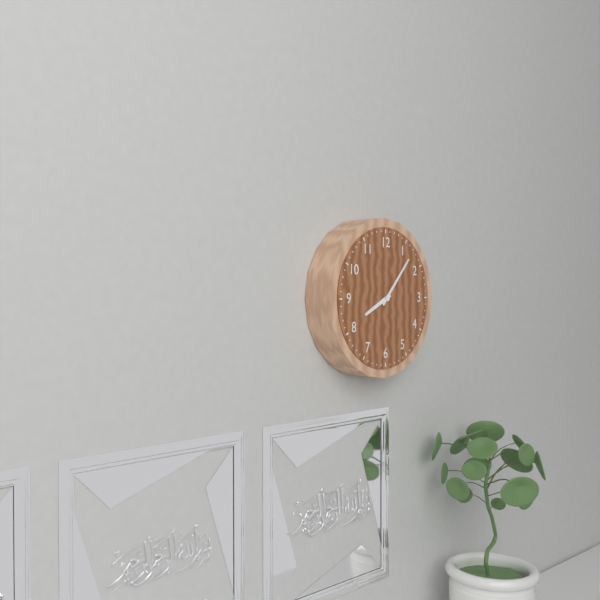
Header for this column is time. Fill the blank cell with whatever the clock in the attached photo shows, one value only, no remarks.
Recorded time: 8:07
